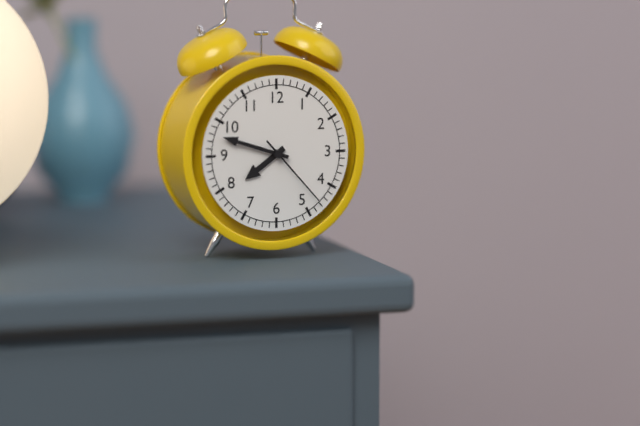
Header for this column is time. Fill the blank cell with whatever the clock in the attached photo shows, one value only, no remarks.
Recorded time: 7:48:23
